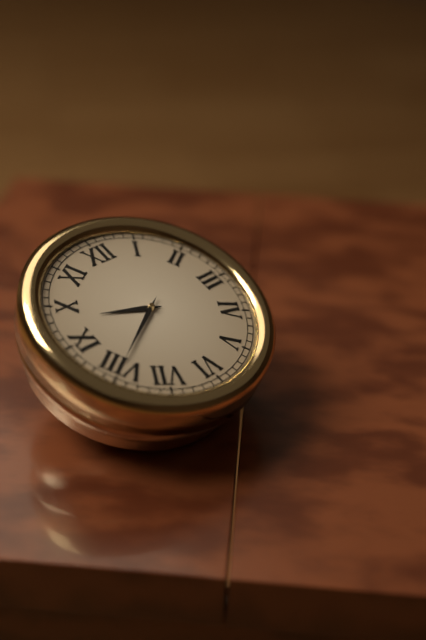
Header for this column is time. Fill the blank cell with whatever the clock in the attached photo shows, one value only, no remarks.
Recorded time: 9:40
